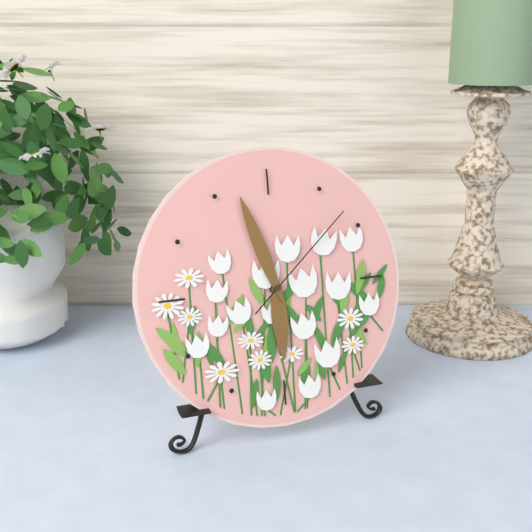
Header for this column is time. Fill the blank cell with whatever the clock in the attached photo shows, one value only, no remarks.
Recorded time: 5:57:08
